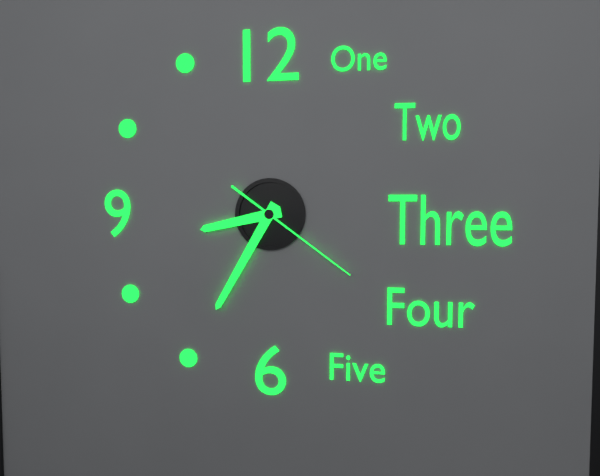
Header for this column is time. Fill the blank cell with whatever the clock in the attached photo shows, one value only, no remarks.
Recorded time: 8:35:21
